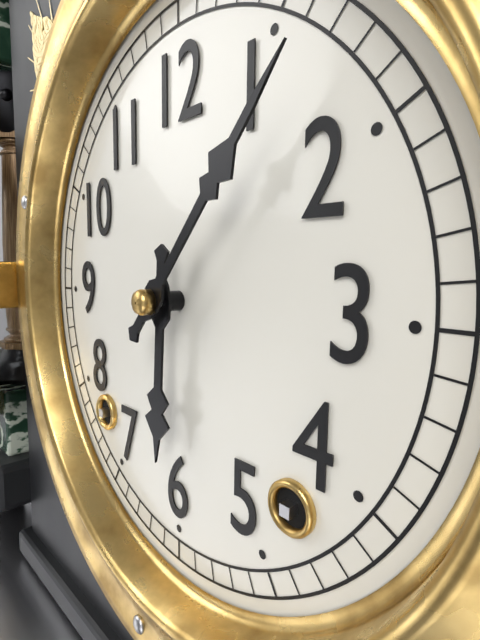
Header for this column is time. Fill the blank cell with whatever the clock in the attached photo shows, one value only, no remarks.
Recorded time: 6:07
